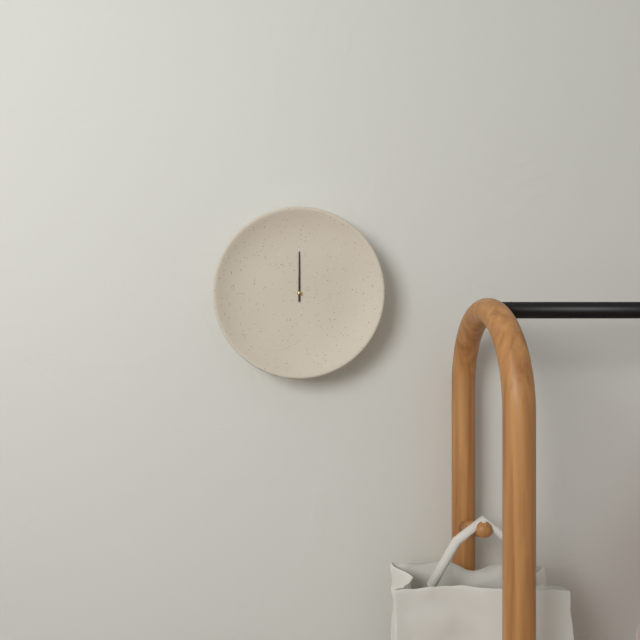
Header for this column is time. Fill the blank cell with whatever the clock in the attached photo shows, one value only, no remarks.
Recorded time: 12:00
